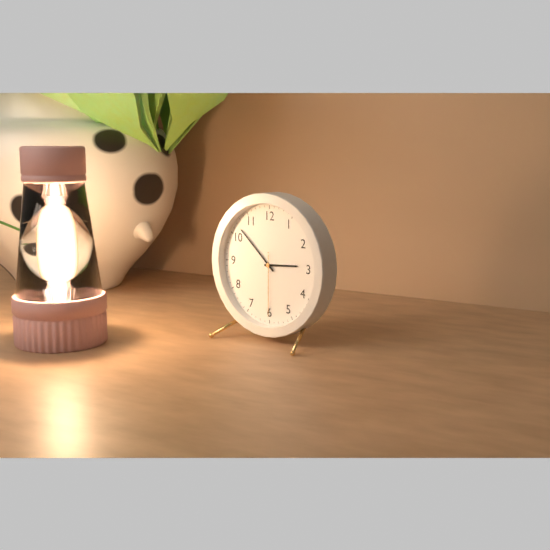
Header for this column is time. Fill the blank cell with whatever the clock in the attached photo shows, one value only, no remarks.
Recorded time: 2:52:30
